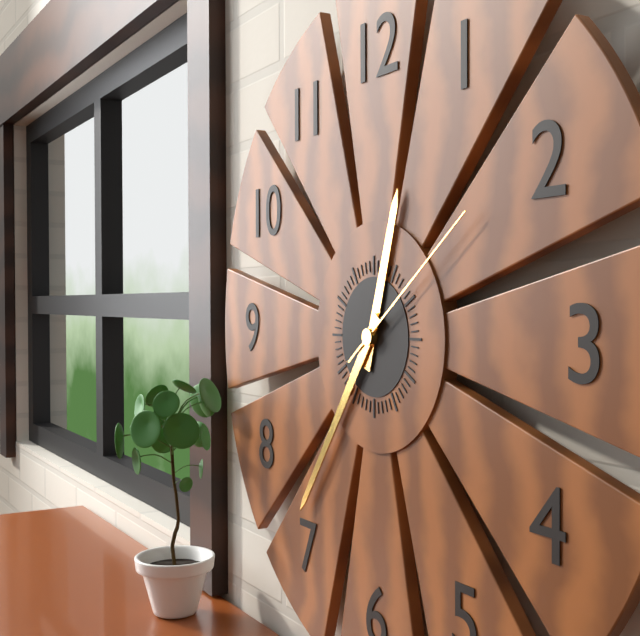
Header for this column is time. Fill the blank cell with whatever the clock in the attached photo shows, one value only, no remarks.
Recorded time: 12:36:09
